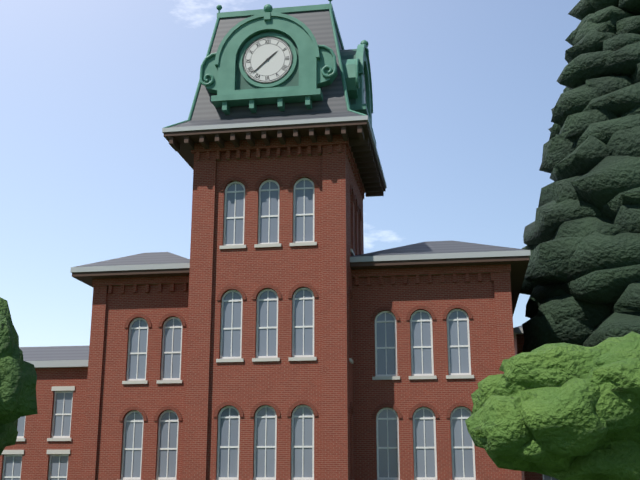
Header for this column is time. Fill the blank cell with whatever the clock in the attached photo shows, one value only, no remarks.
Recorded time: 1:38
